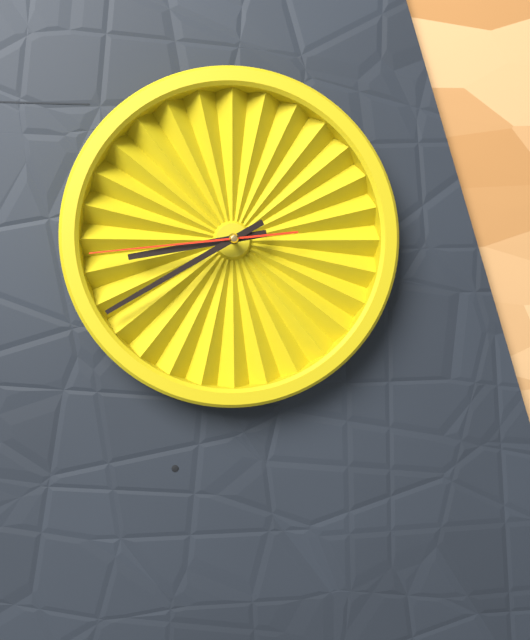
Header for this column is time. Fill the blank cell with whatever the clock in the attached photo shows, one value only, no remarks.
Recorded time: 8:40:44
